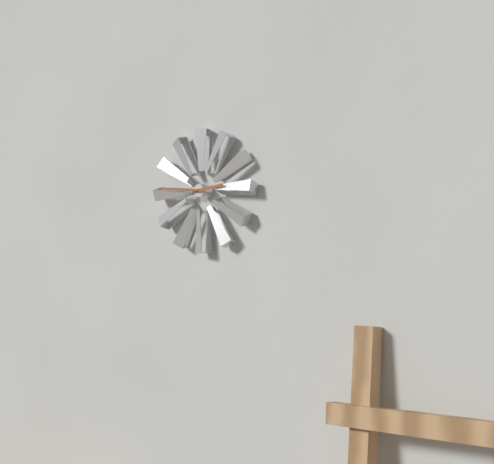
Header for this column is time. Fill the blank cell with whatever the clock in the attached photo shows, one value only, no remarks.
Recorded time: 2:46
